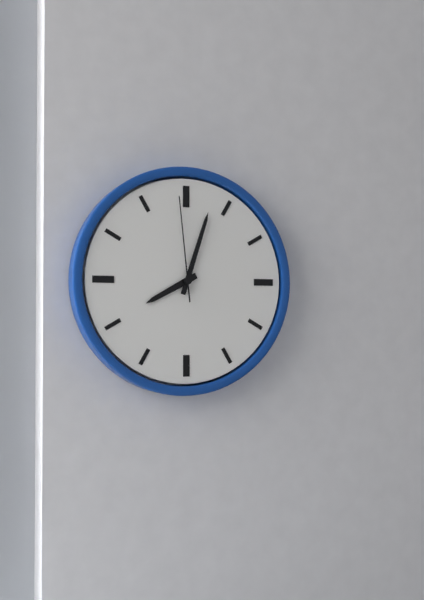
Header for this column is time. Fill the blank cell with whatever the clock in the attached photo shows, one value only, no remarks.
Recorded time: 8:03:59
